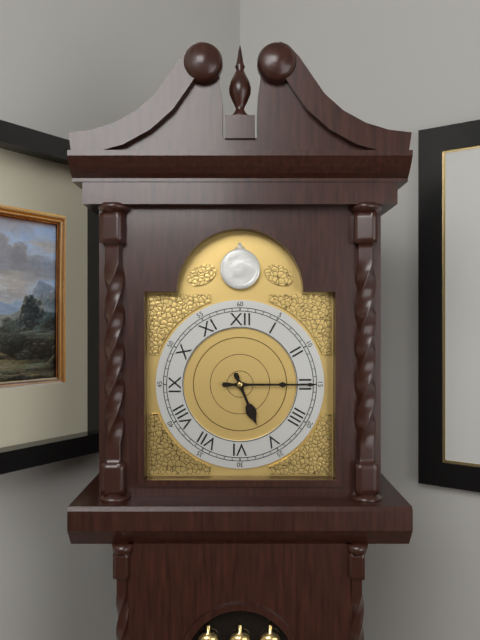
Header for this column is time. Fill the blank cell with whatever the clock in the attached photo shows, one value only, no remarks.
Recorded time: 5:15
